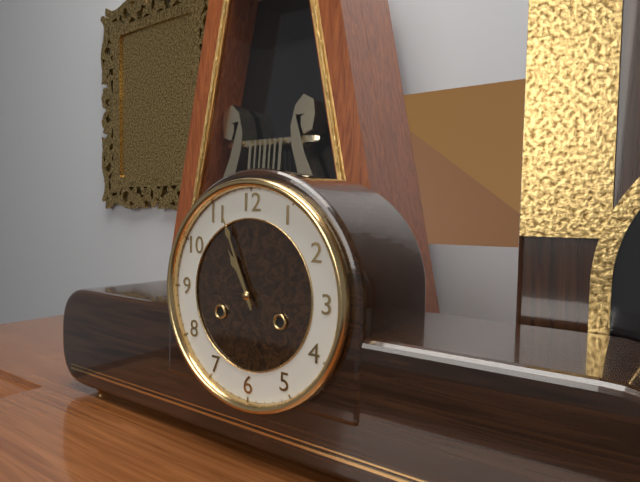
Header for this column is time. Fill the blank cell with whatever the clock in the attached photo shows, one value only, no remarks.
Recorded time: 10:56
